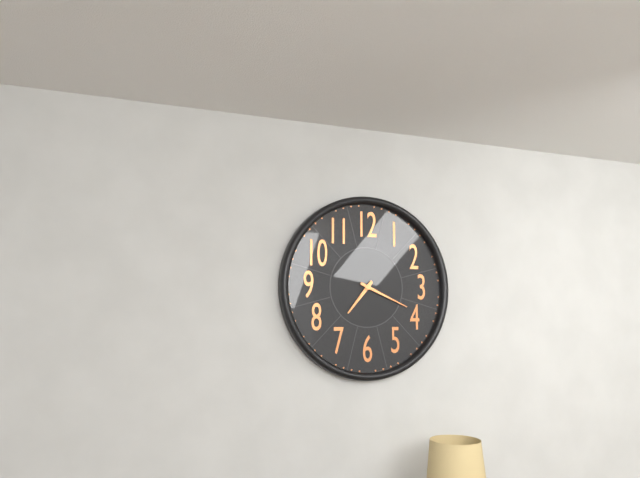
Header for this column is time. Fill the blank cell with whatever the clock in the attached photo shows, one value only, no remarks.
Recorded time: 7:19
